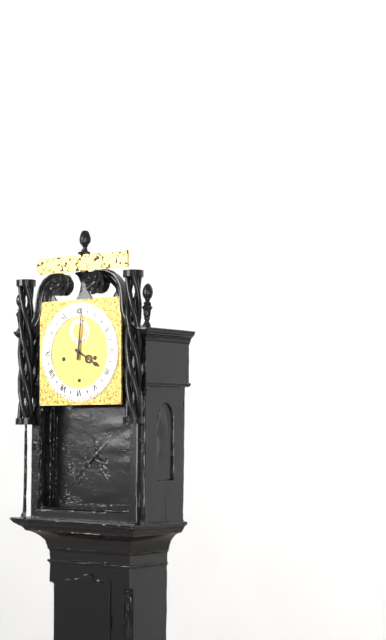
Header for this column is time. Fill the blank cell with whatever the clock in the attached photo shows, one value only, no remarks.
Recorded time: 4:01
